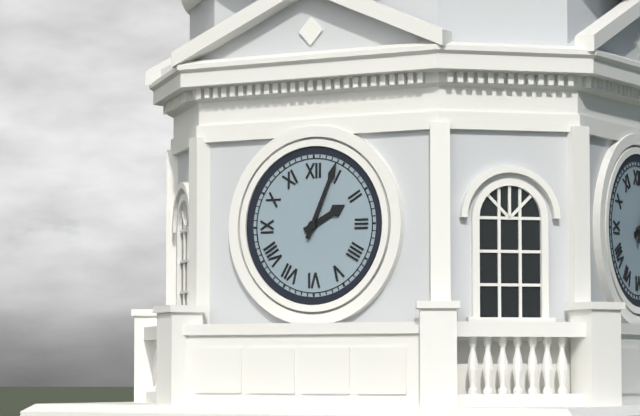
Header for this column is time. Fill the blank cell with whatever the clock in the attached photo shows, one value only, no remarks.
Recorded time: 2:04
